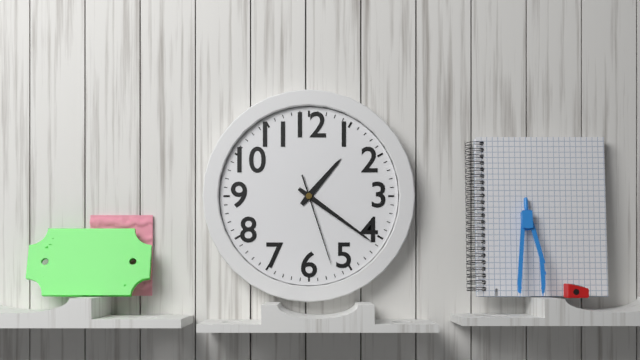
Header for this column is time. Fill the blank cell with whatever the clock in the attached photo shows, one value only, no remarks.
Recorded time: 1:21:27
